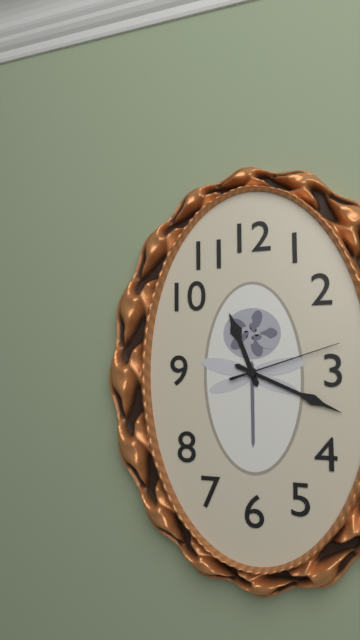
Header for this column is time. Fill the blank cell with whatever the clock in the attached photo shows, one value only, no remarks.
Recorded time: 11:19:12
